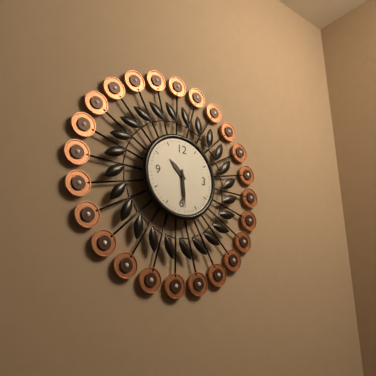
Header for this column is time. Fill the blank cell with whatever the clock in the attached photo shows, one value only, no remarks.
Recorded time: 10:29
